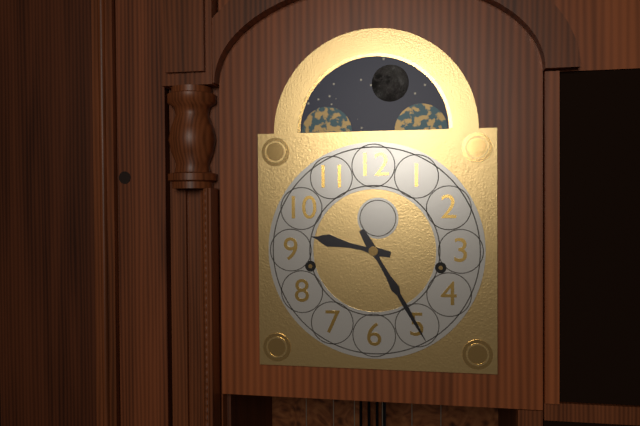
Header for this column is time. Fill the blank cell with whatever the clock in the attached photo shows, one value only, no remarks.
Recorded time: 9:25
